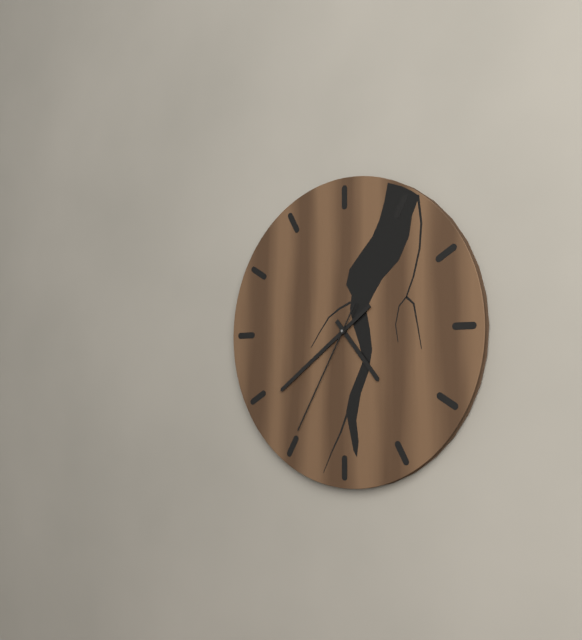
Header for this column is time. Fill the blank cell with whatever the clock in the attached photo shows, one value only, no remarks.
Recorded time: 4:39:35
